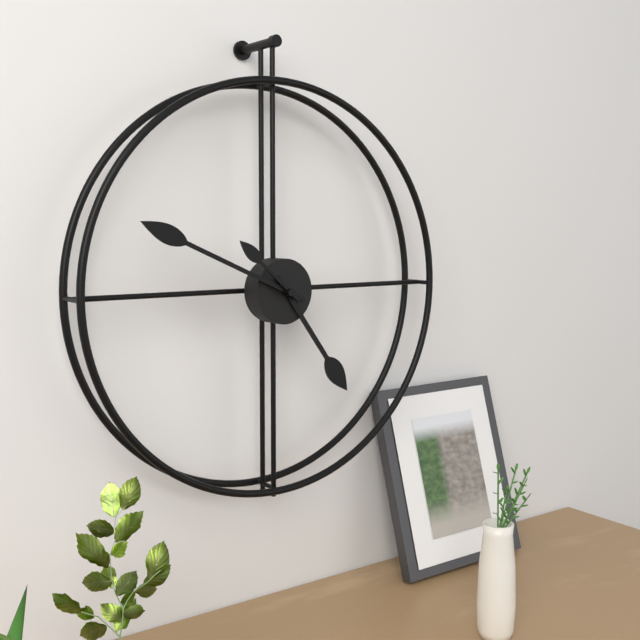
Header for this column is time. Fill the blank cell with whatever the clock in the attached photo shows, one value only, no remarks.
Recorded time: 4:49:52
